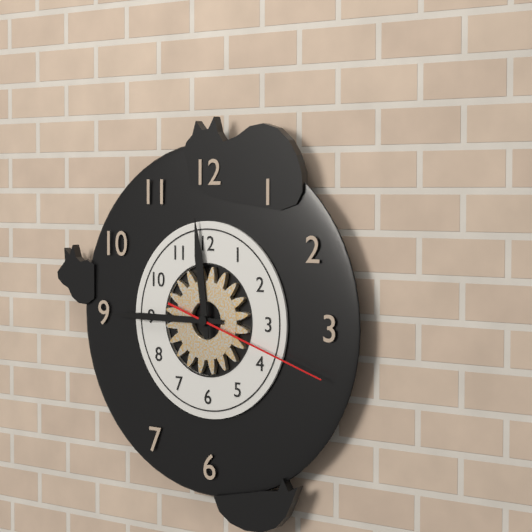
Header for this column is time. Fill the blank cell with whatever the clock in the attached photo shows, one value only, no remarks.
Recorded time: 11:45:18
